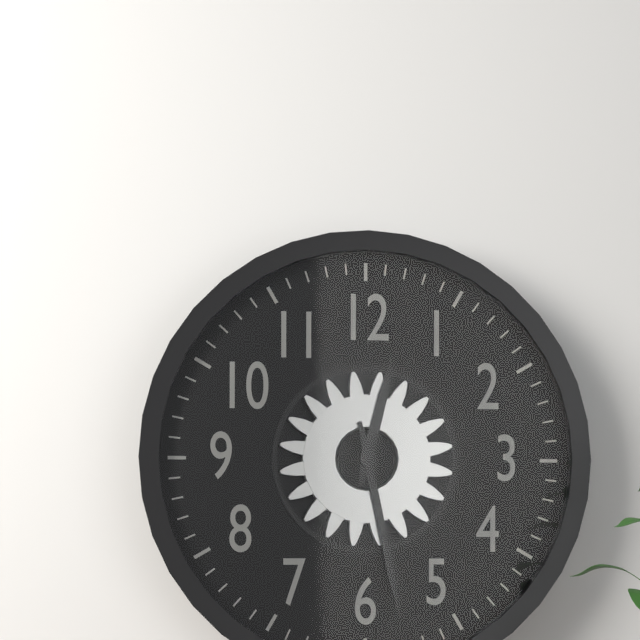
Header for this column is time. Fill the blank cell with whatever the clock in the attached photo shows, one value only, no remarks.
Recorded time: 12:28
